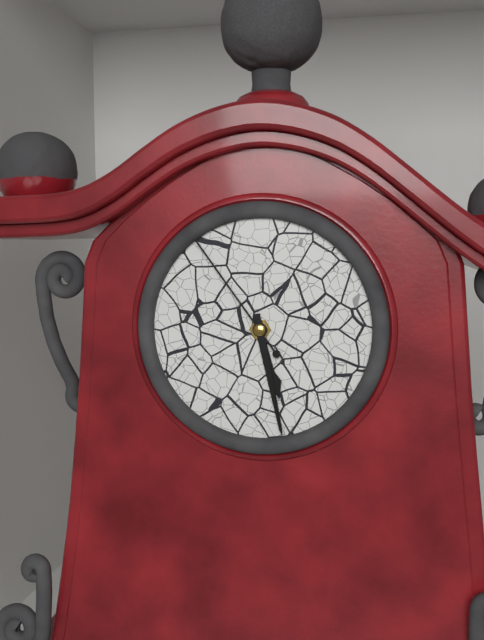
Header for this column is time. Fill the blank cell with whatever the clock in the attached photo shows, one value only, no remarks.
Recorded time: 5:28:54
